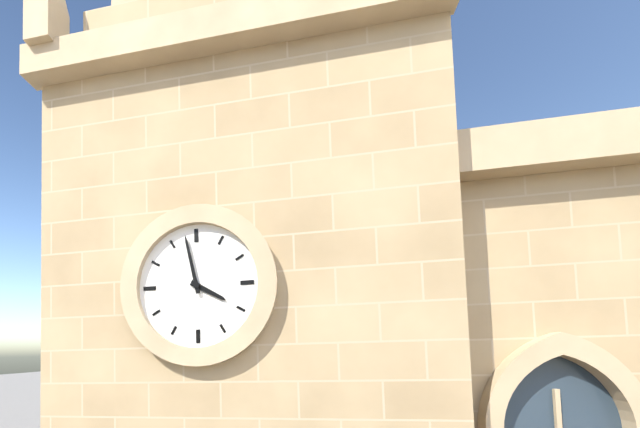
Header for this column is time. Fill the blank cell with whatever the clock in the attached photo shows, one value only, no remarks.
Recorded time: 3:58
